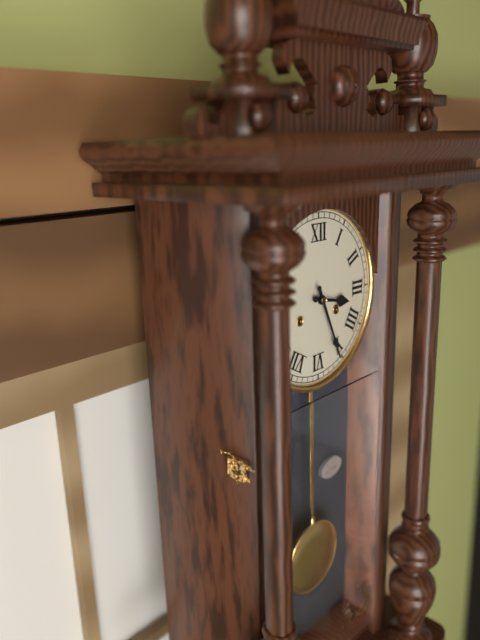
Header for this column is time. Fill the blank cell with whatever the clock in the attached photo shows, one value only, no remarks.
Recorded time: 3:26
